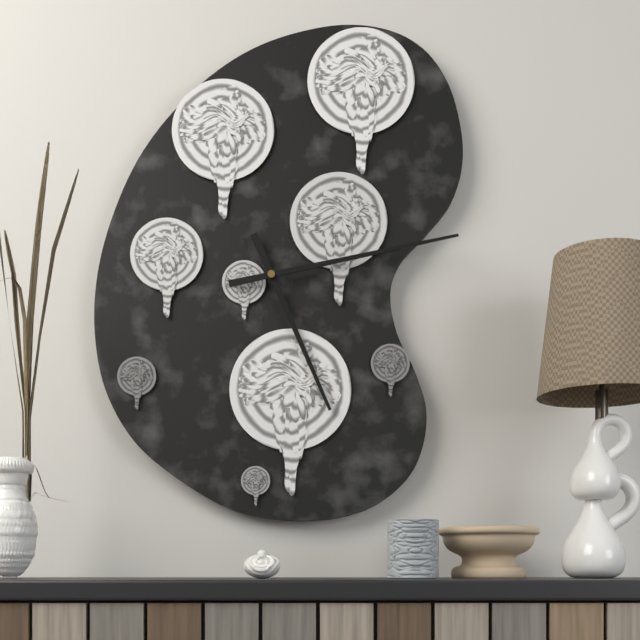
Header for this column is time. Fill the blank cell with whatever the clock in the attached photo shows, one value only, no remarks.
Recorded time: 5:13
